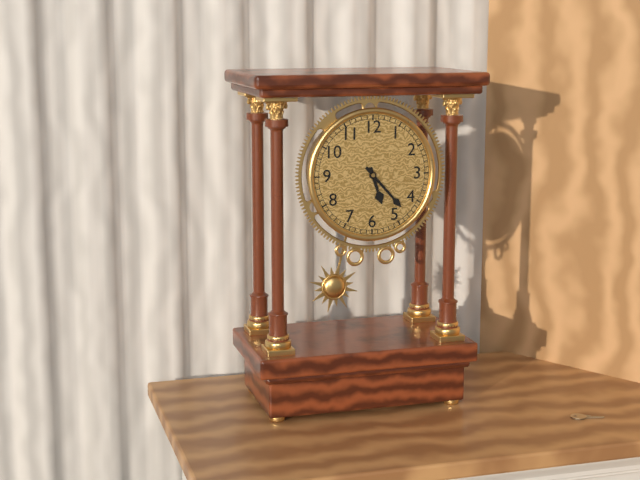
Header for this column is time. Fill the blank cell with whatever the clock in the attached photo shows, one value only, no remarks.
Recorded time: 5:23
